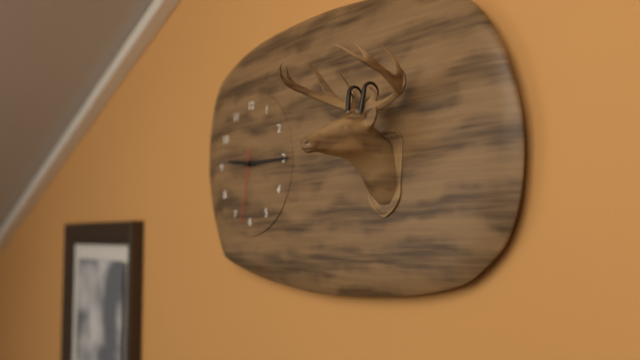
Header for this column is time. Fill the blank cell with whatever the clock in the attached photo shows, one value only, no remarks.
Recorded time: 9:15:32
